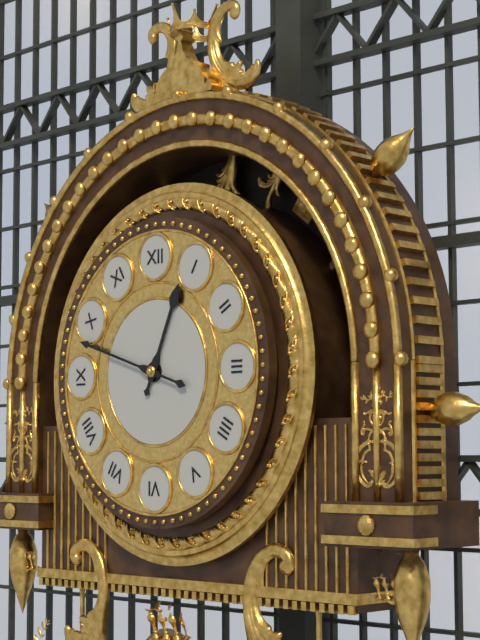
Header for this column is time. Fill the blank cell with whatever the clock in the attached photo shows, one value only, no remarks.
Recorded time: 12:48
